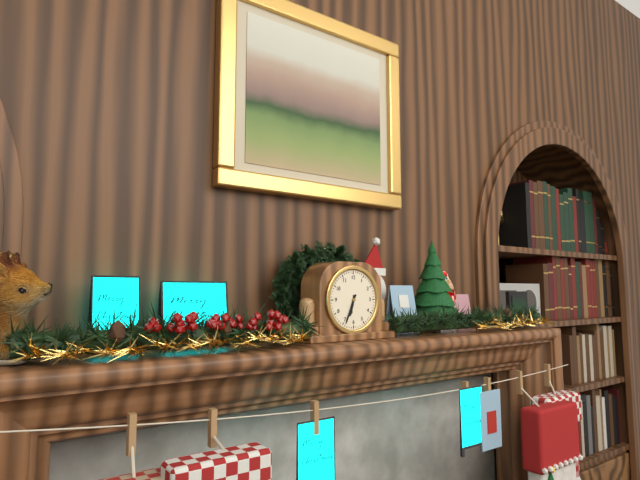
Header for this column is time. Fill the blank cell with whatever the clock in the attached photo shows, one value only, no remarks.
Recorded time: 6:34
